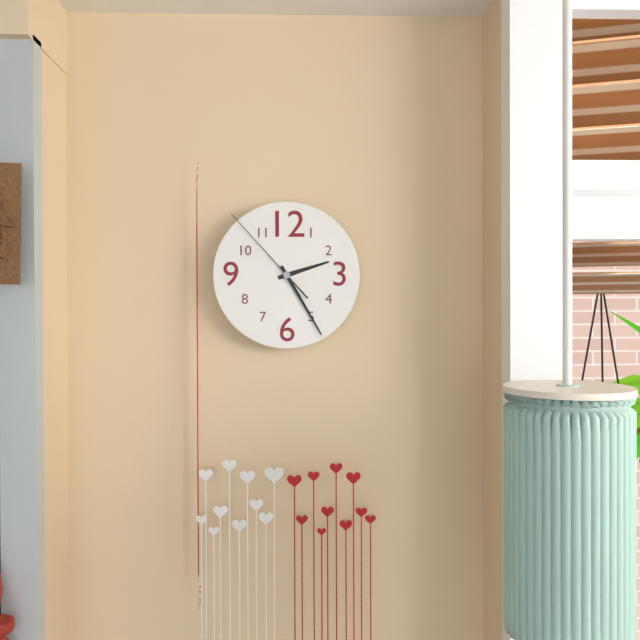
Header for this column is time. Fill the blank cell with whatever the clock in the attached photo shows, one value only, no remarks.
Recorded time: 2:25:53
